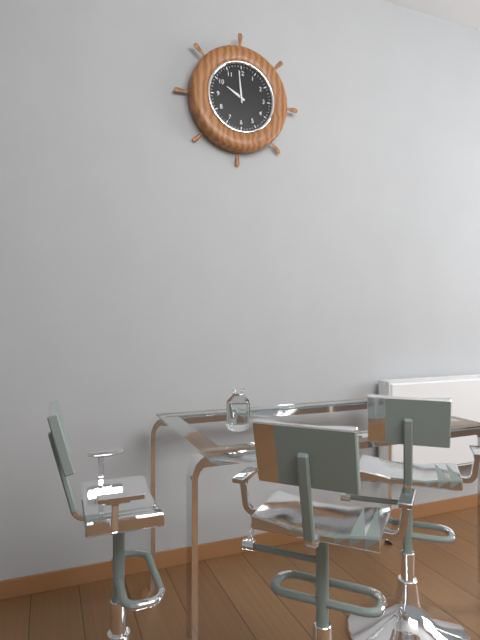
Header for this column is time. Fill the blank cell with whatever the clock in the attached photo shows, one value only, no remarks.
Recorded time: 9:59
